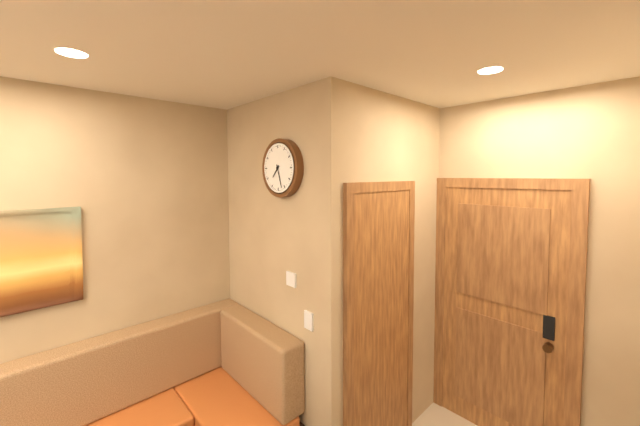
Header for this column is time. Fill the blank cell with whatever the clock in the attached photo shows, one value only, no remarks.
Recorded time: 7:27
